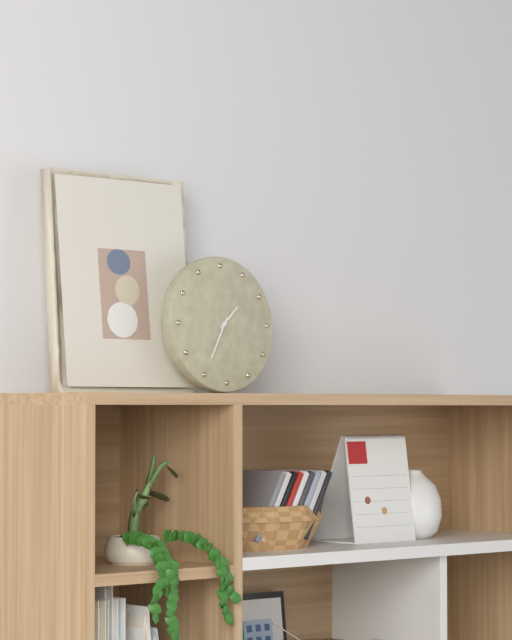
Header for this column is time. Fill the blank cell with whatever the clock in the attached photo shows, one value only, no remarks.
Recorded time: 1:35
